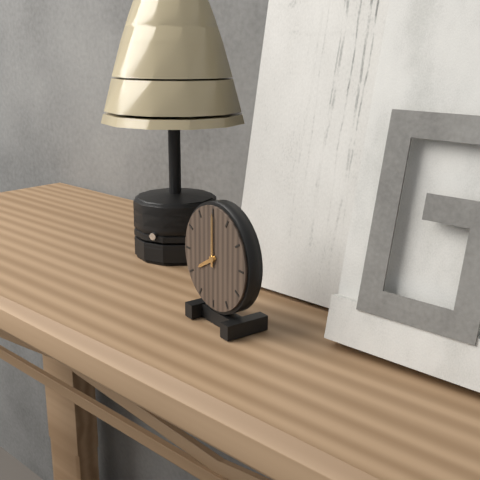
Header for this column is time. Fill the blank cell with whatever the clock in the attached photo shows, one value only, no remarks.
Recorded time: 8:00
